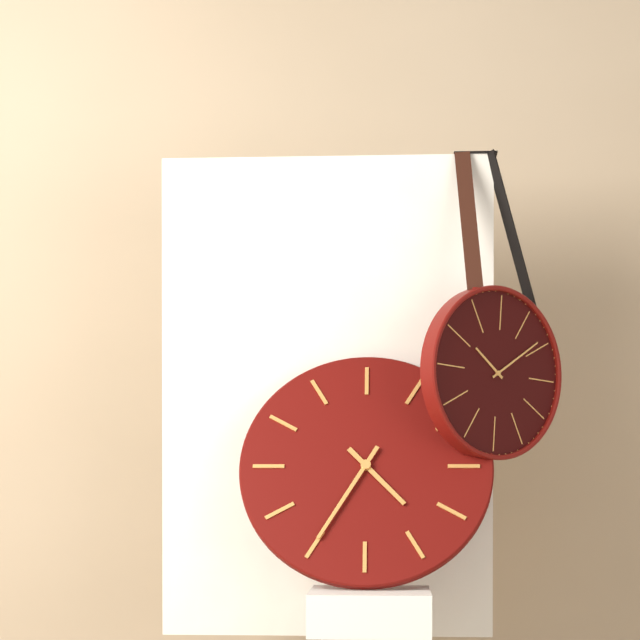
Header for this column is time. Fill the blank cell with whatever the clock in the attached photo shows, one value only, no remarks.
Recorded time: 4:35
